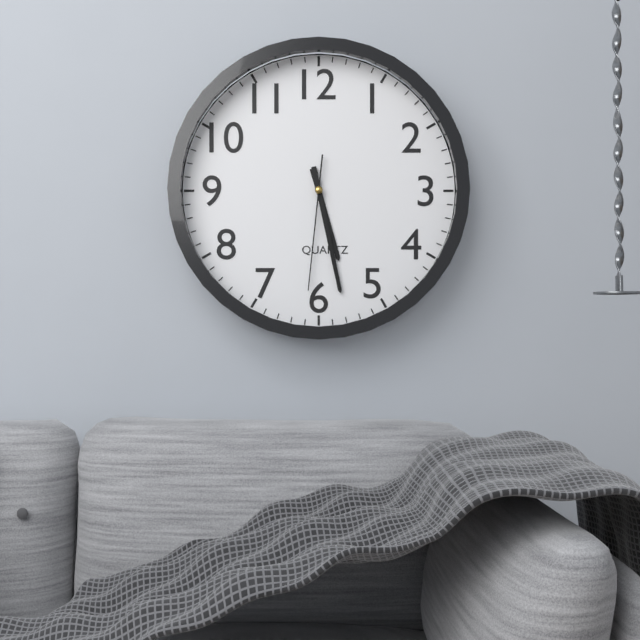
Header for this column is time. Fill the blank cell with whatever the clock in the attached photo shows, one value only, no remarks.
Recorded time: 5:28:31
